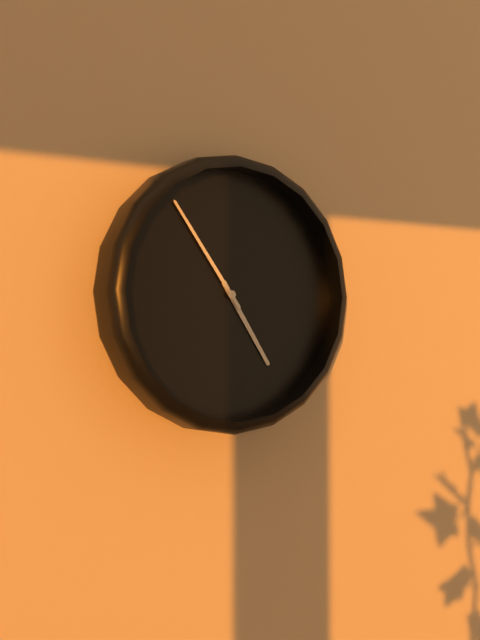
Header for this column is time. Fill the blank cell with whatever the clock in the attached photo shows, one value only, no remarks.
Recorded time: 4:54
